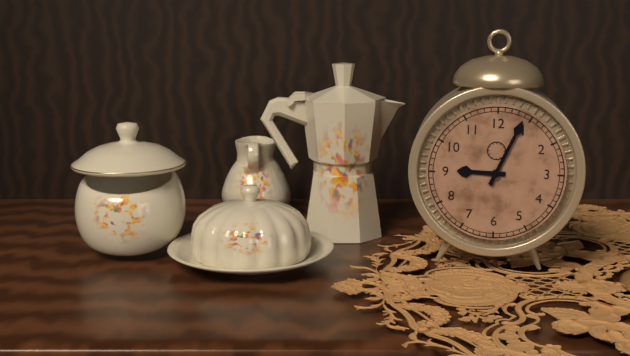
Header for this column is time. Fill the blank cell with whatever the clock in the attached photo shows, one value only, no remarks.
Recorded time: 9:04
